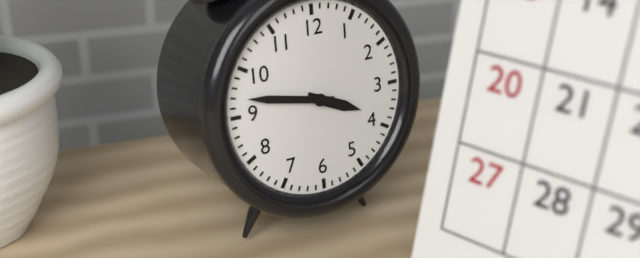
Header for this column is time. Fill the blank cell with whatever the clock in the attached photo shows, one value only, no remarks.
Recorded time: 3:47
